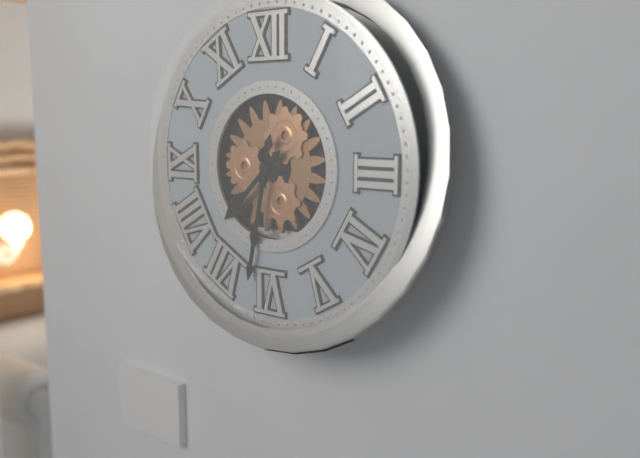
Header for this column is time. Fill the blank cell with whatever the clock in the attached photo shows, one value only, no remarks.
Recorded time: 7:32
